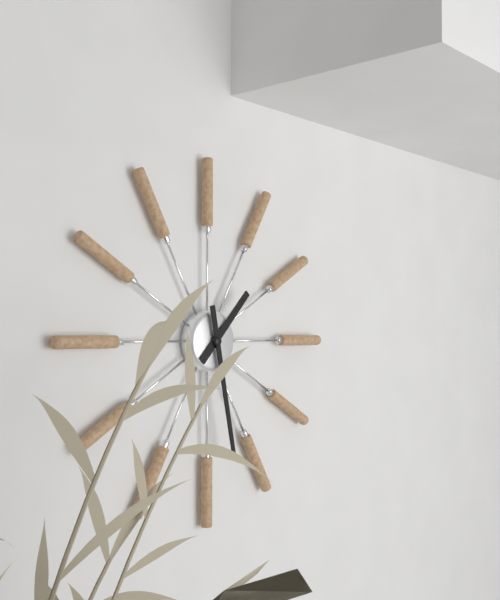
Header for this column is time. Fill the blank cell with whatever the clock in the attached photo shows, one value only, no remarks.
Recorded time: 1:28
